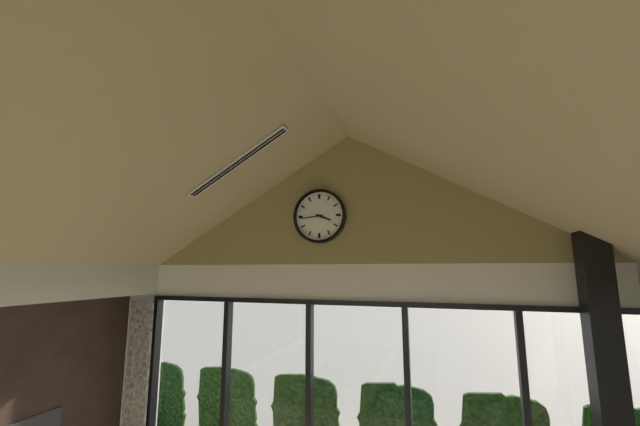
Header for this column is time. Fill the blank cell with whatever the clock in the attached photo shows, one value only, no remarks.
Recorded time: 3:44
